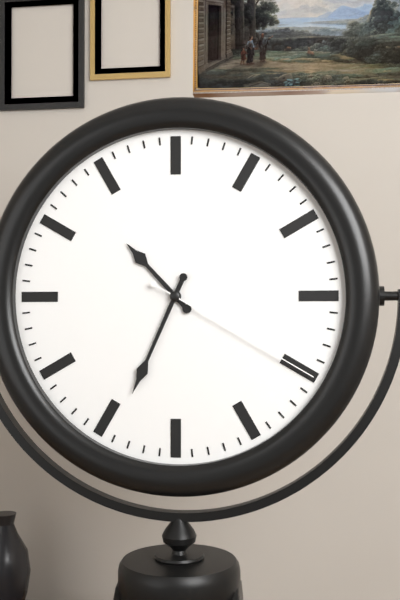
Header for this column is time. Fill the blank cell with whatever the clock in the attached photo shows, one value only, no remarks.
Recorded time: 10:34:20
